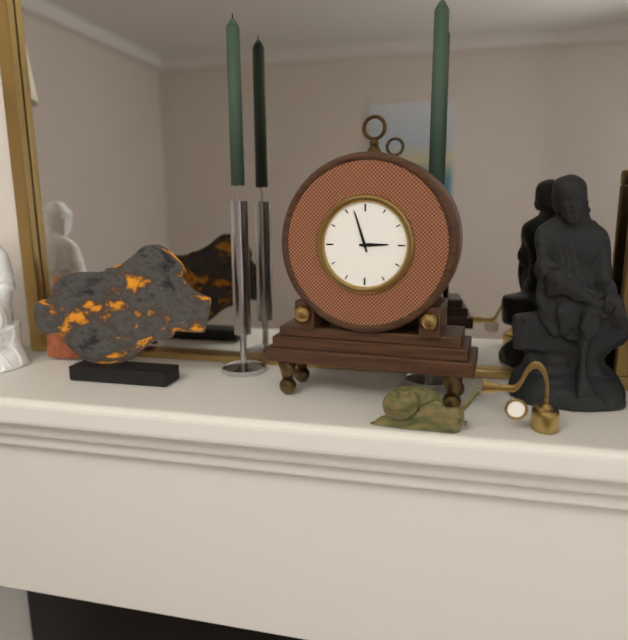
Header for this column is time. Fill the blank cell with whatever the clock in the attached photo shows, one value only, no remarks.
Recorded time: 2:57
